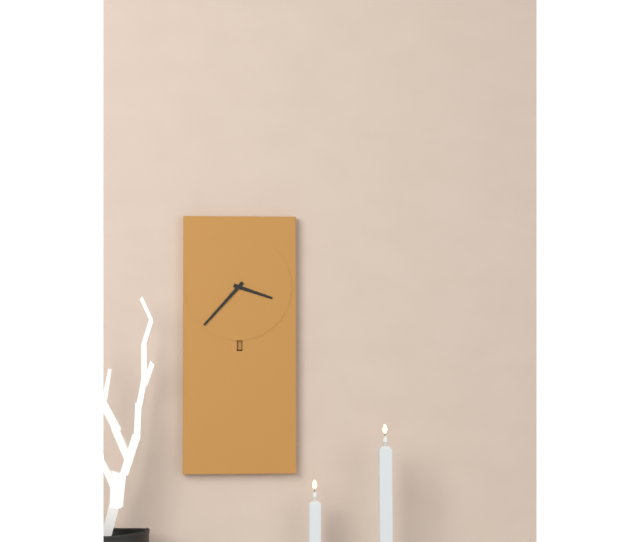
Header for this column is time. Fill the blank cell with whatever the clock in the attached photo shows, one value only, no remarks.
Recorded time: 3:37
